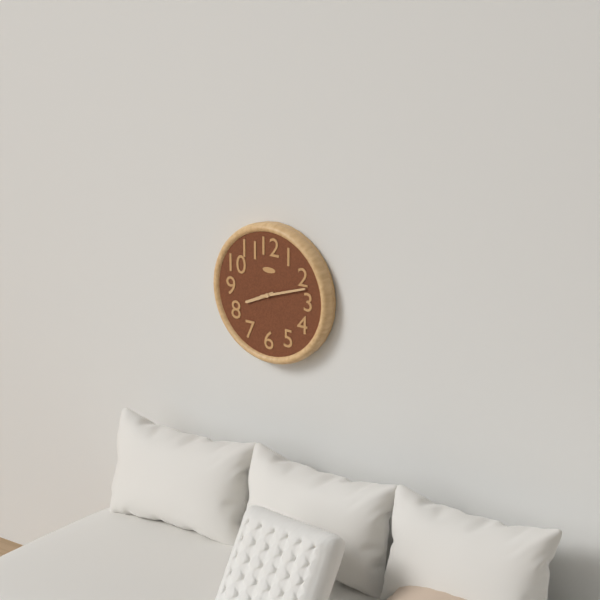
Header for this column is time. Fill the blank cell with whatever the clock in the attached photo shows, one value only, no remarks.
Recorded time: 8:12
